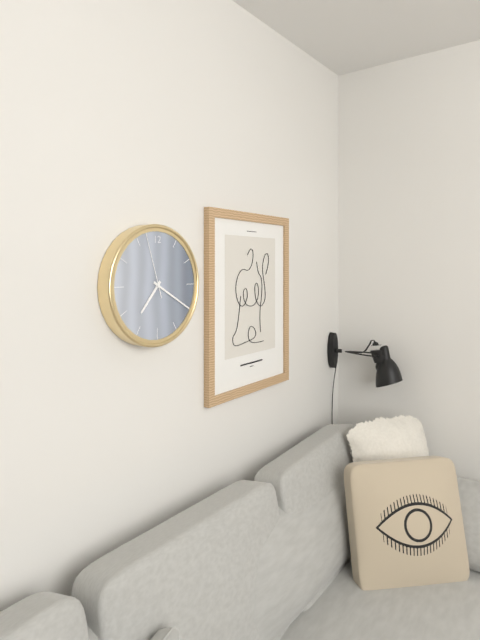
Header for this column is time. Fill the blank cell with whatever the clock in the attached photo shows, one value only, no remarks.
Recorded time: 7:20:57
